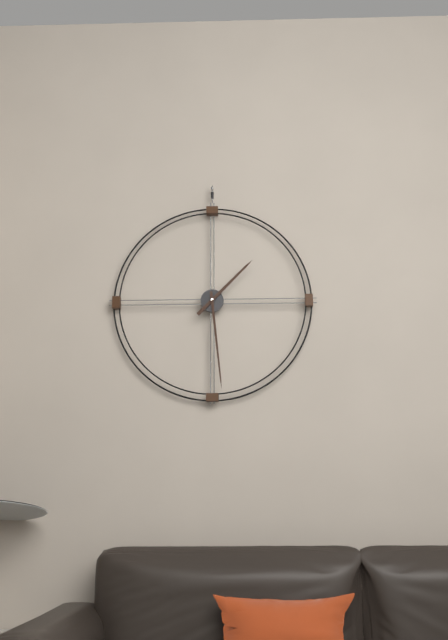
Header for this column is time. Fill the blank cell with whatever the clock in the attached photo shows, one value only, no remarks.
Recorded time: 1:29
